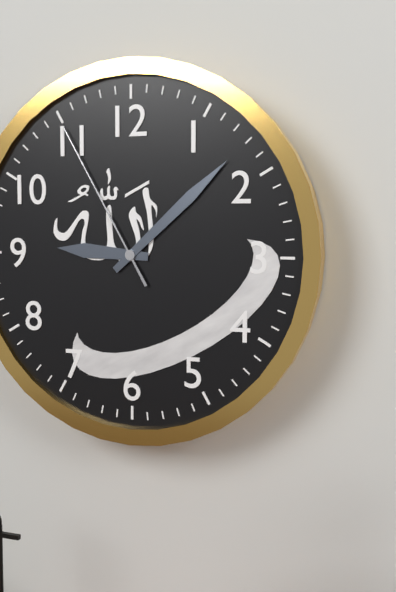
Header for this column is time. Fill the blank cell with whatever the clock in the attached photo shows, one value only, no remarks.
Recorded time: 9:08:55
